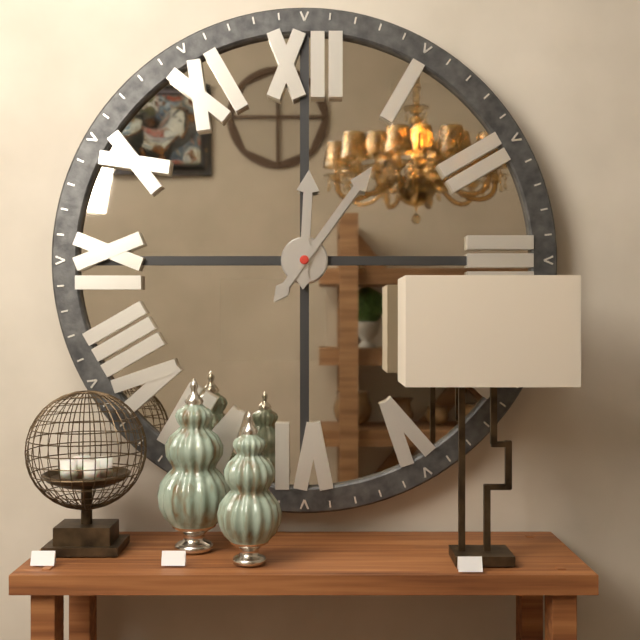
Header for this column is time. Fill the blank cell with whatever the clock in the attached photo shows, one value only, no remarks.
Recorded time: 12:06
